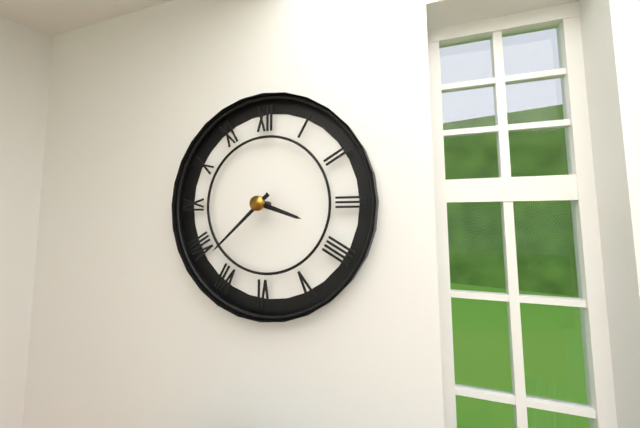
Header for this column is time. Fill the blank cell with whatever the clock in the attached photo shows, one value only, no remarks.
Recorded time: 3:38
